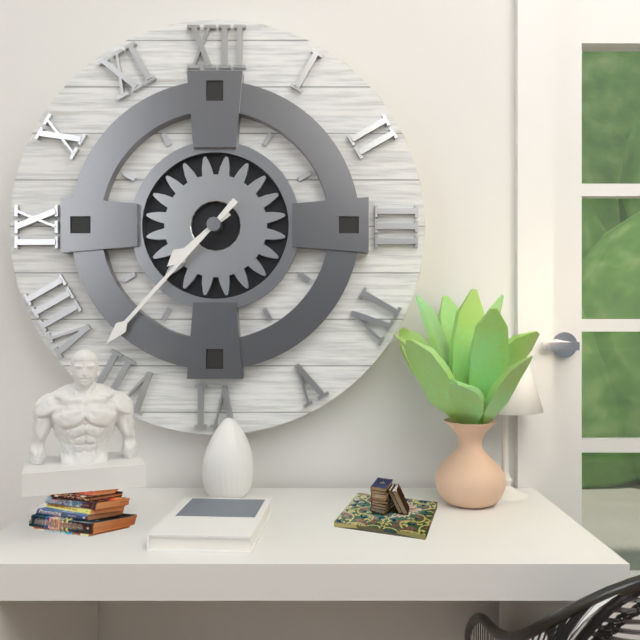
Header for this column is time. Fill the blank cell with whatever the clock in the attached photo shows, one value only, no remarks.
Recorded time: 7:37
